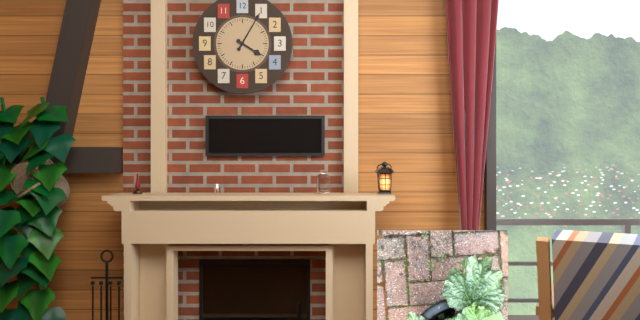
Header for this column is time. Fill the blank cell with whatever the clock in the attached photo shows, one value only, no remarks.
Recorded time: 4:05
